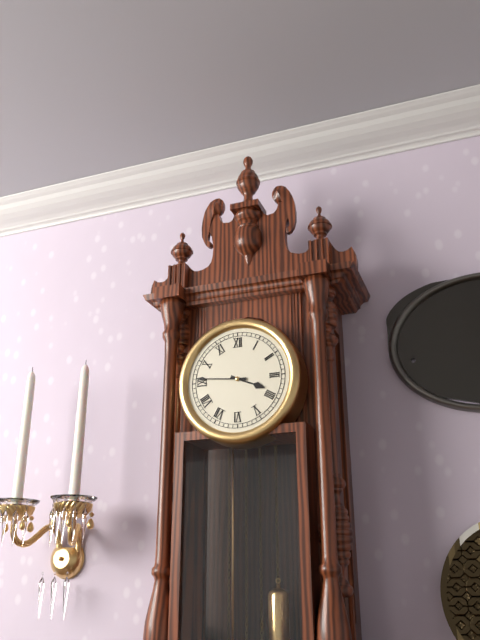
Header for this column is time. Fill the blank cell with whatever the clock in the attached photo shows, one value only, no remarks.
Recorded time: 3:46
